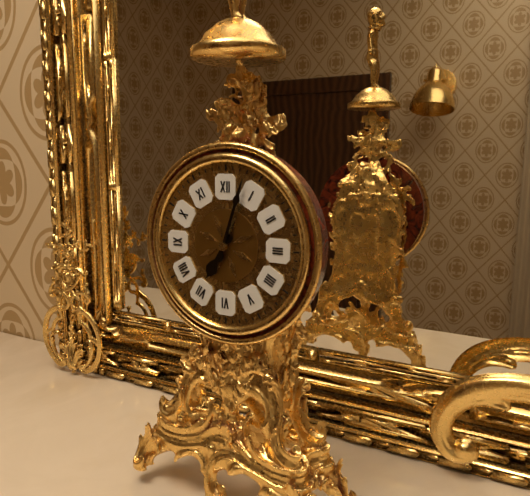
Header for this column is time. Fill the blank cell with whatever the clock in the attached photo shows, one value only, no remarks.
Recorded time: 7:03
